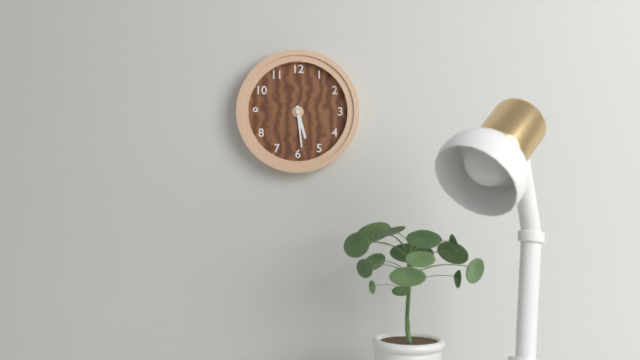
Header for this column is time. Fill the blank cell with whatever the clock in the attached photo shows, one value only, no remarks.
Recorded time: 5:29
